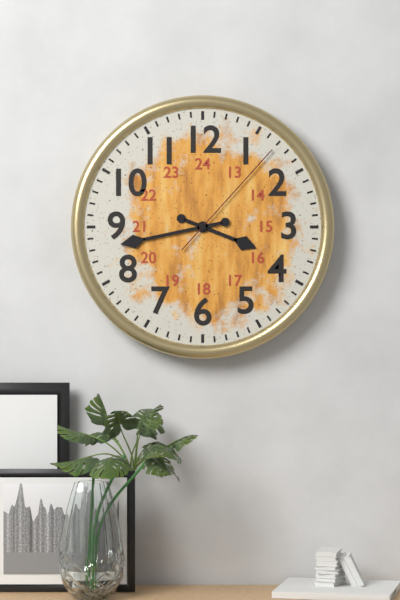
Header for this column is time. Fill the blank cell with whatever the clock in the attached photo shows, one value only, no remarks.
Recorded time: 3:43:07
